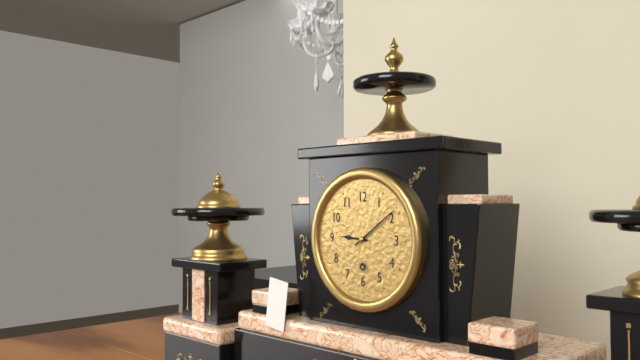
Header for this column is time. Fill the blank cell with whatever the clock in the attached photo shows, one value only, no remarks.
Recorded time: 9:09
